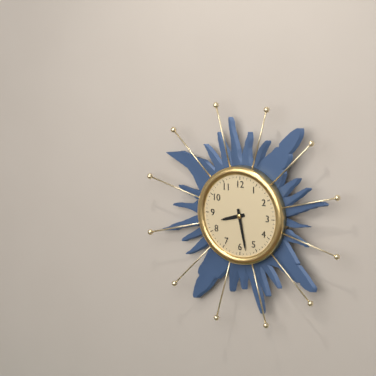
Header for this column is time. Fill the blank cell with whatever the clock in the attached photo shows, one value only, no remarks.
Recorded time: 8:28
